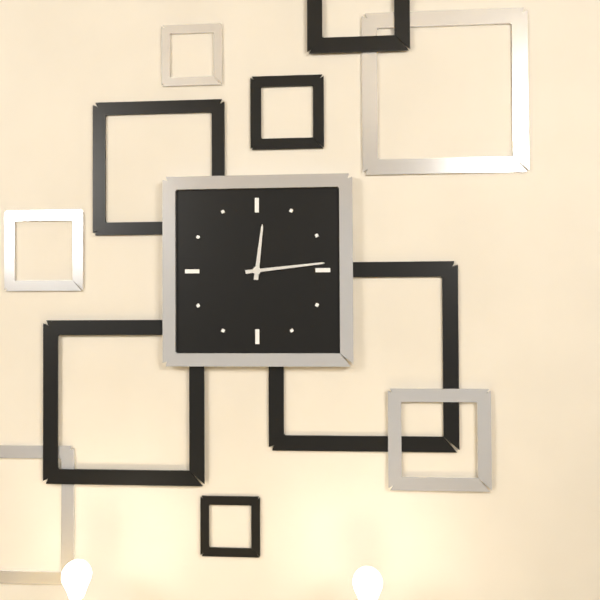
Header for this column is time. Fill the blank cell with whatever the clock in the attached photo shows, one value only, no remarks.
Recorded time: 12:14
